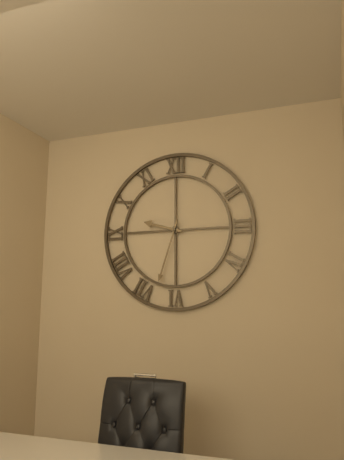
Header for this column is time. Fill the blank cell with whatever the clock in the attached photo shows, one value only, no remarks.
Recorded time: 9:33
